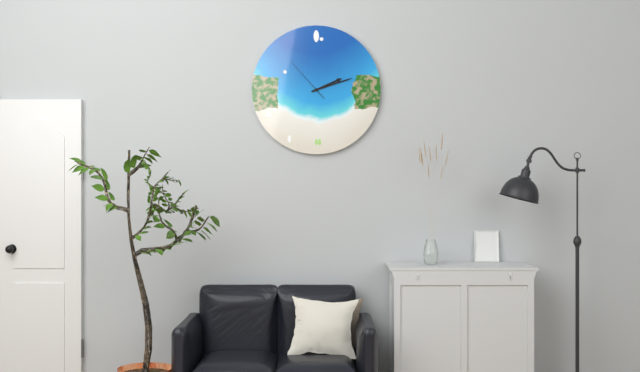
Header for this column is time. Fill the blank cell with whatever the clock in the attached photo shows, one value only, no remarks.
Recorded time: 2:12
